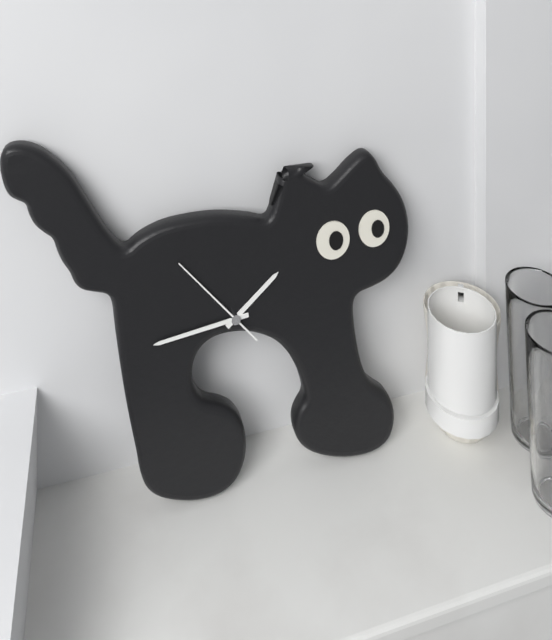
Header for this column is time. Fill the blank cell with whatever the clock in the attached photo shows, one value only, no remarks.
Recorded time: 1:44:53
